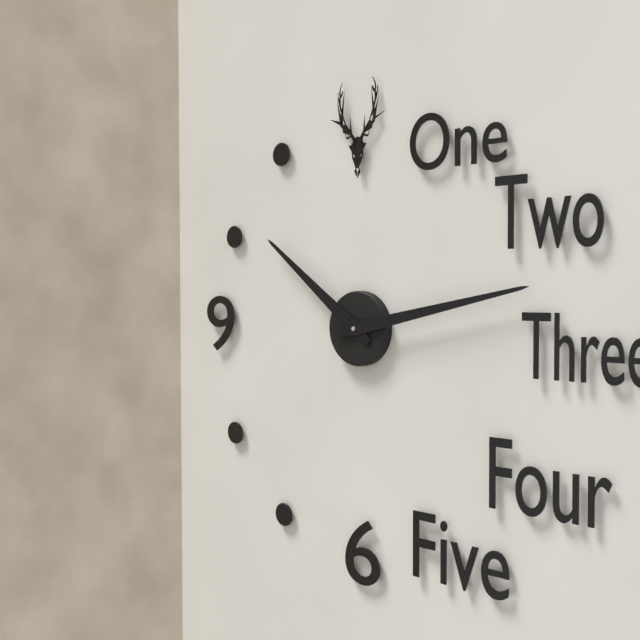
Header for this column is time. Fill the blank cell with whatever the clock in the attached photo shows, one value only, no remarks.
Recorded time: 10:13
